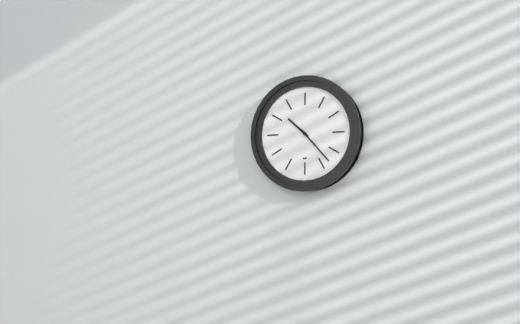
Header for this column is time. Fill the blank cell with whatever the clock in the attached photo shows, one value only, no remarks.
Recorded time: 10:23
